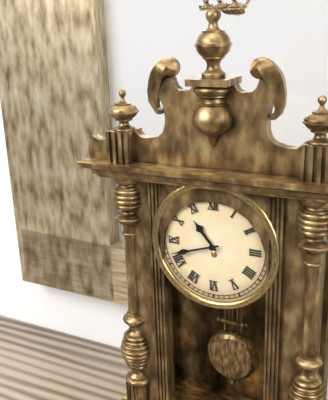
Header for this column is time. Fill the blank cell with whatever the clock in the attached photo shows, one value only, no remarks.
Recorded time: 10:42
